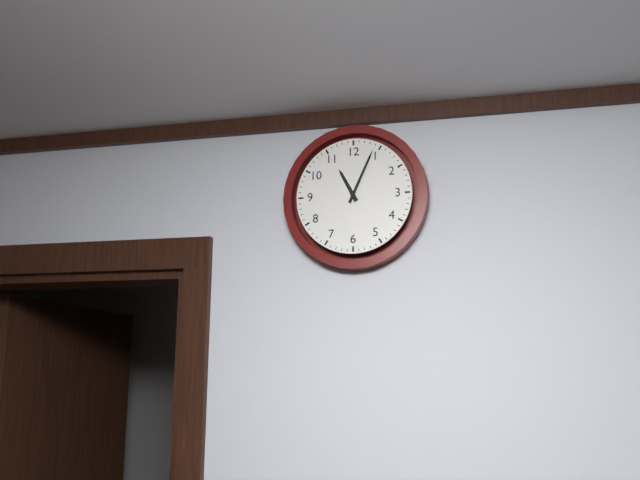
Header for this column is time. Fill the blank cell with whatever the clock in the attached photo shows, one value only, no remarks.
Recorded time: 11:04
